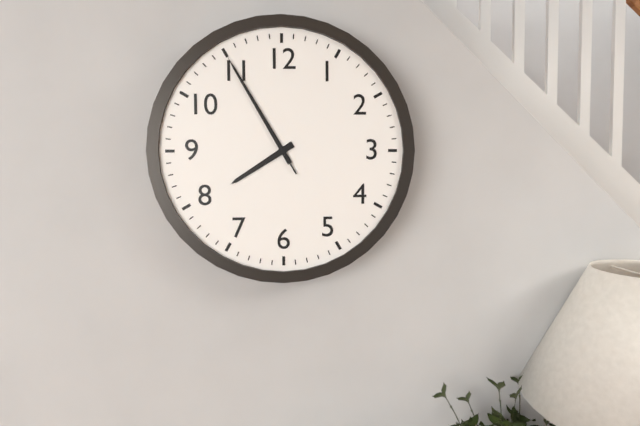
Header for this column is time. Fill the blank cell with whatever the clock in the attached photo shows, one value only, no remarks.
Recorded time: 7:55:55
